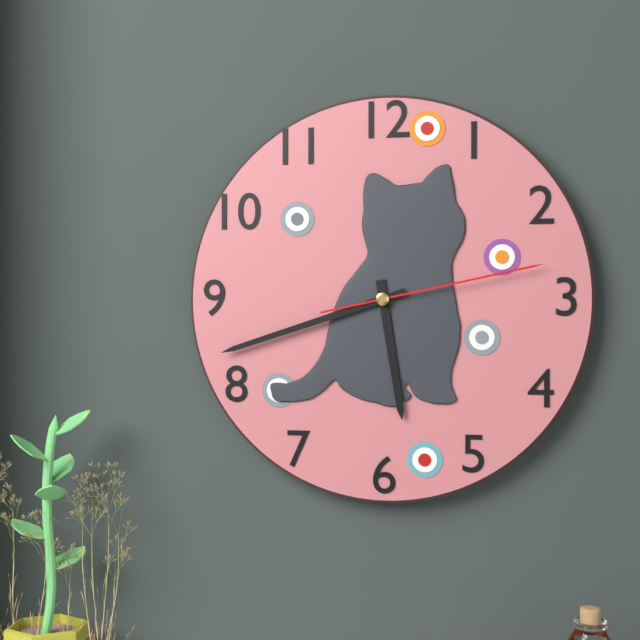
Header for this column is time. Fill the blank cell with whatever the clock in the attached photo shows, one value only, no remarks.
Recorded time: 5:42:13
